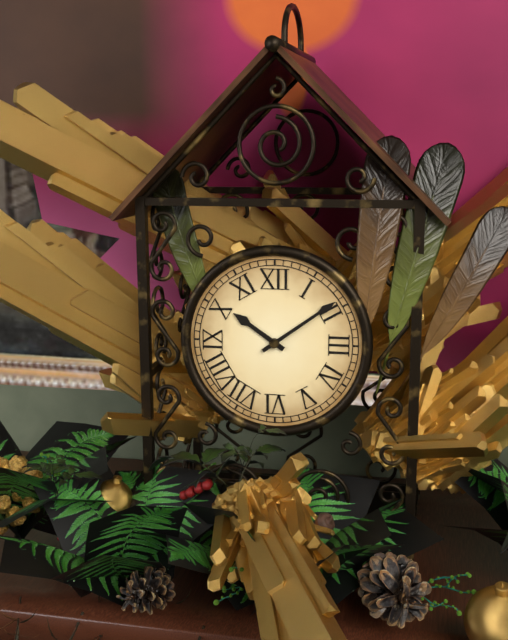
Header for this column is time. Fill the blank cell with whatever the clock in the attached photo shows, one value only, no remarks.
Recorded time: 10:09
